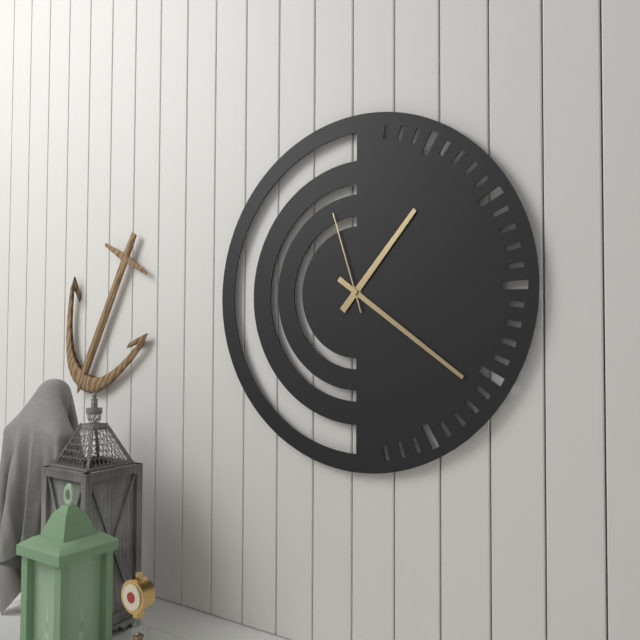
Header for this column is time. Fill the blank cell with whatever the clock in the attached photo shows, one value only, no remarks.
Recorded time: 1:21:57
